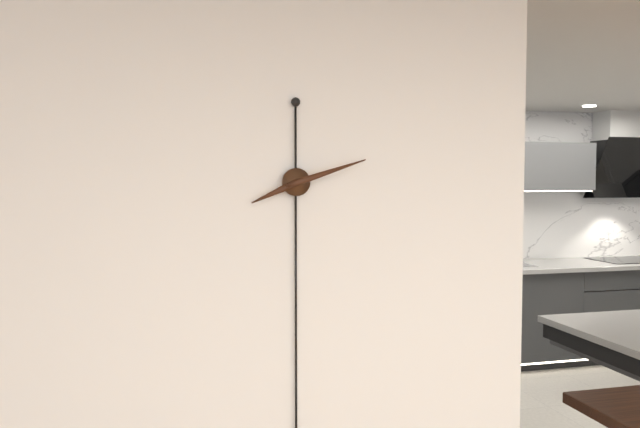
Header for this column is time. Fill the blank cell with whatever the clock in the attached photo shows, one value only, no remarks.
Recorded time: 8:12
